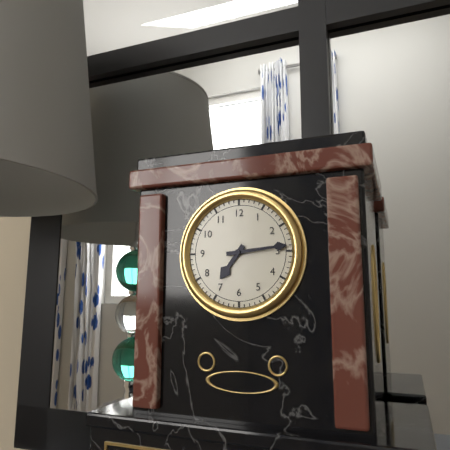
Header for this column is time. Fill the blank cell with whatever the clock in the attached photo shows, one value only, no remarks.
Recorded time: 7:14
